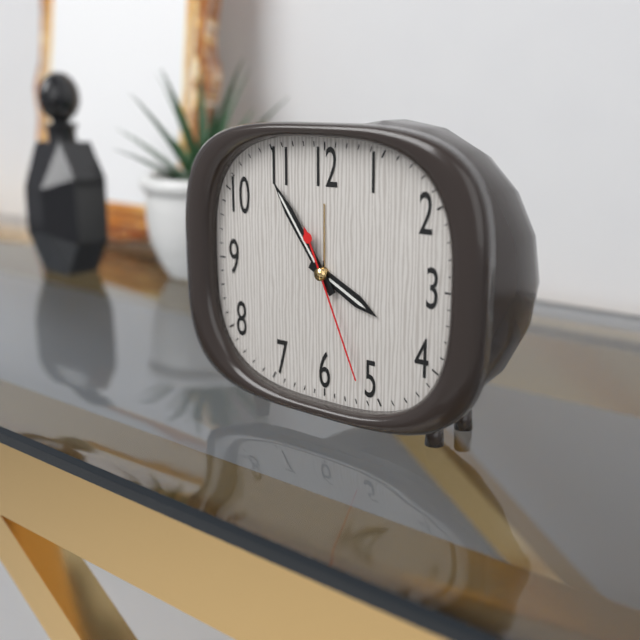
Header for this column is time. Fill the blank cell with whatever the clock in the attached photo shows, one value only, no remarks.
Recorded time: 3:54:26
